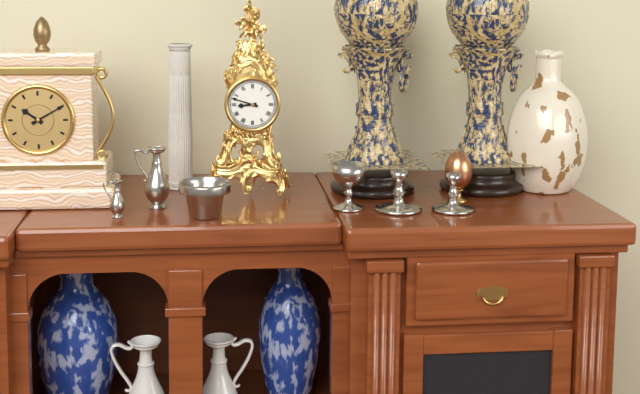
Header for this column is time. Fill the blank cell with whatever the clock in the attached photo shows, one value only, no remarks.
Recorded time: 8:48
